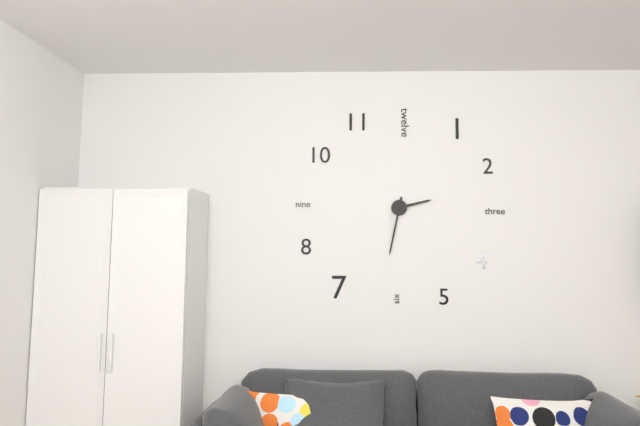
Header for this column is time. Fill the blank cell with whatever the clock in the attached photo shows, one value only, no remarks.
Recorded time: 2:32
